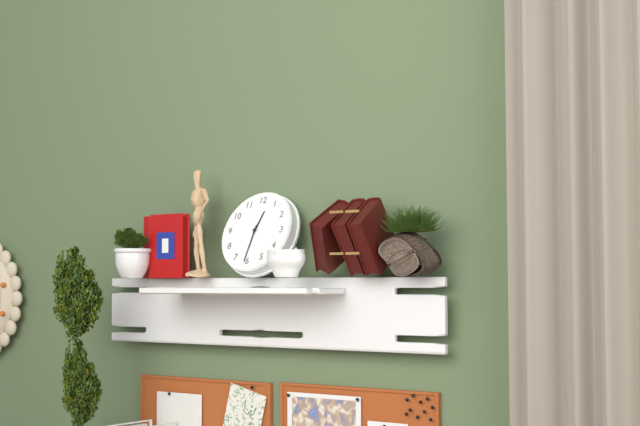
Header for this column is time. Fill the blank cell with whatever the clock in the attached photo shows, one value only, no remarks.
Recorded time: 12:31
